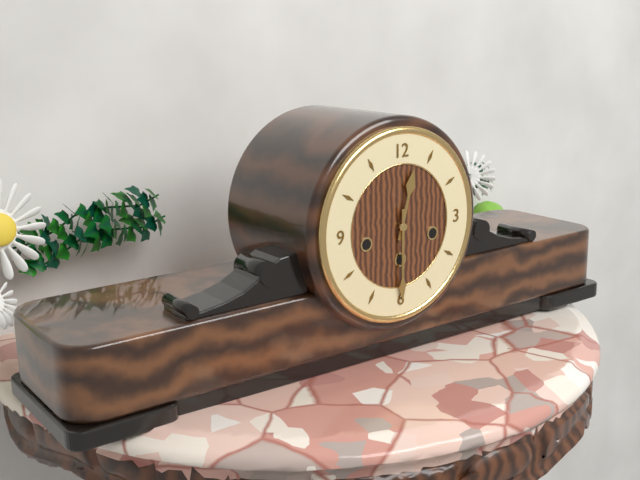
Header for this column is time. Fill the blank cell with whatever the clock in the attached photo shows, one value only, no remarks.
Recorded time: 12:30
